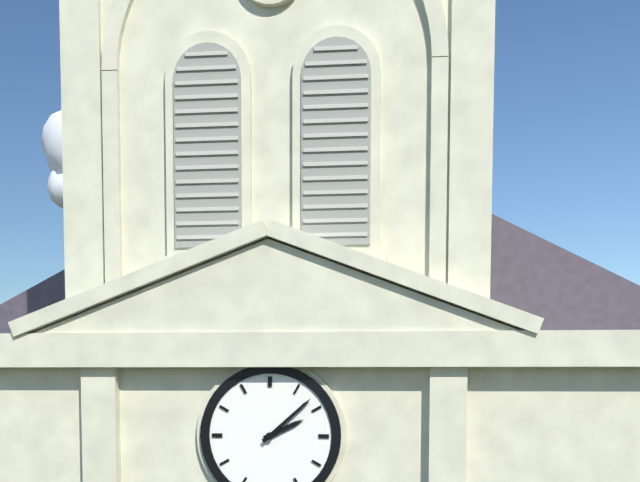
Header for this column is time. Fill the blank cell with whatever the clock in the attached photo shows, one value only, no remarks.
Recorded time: 2:08
